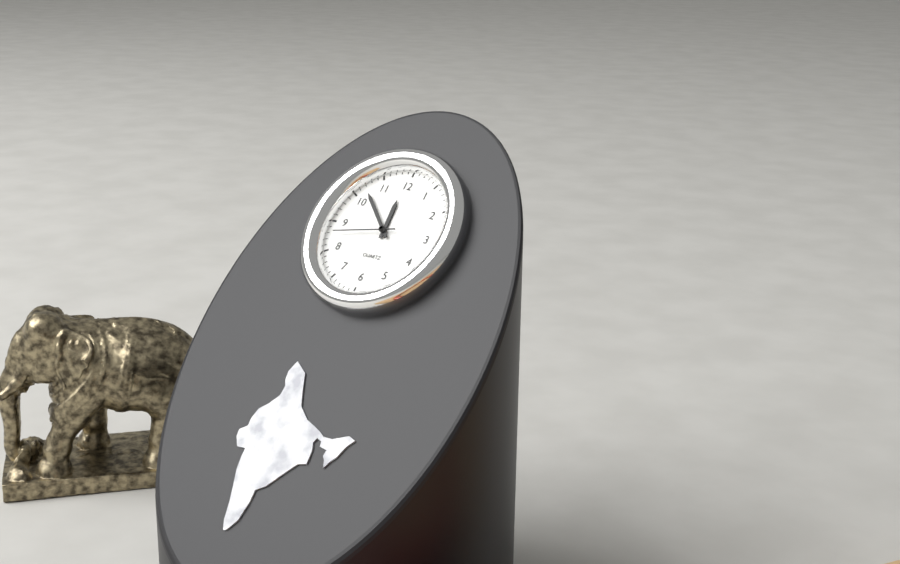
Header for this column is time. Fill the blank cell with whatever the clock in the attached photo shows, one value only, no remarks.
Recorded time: 11:52:43
